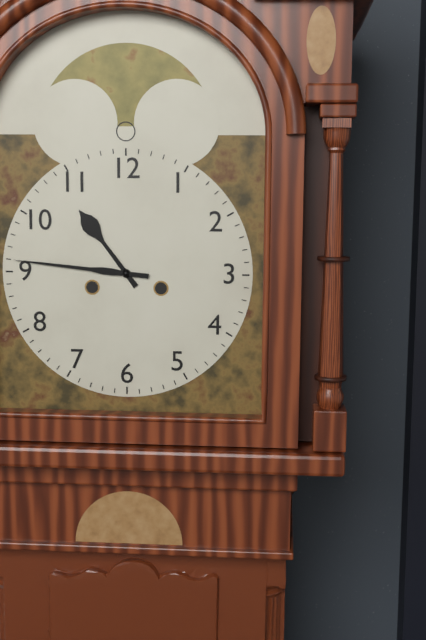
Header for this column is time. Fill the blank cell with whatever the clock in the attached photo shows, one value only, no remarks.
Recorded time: 10:46
